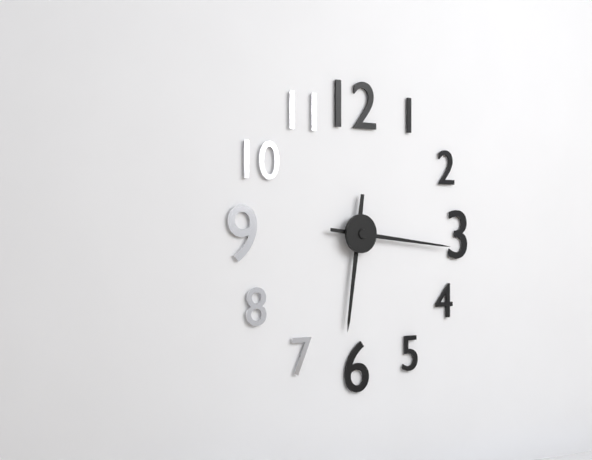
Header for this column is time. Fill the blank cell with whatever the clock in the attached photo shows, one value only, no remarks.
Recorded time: 6:16
